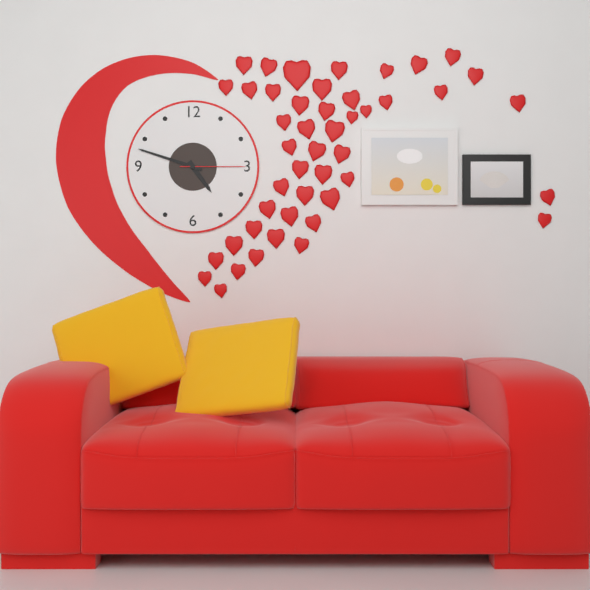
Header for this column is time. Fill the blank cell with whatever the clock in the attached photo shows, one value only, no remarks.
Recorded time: 4:48:15
